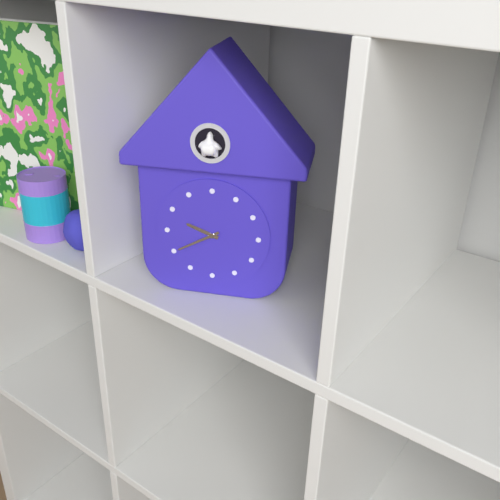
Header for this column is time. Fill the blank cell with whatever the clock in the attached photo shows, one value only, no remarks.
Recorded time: 9:40
